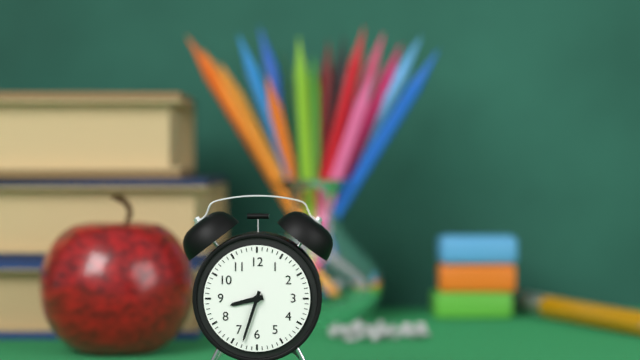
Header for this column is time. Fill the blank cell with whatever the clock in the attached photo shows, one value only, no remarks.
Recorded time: 8:33
